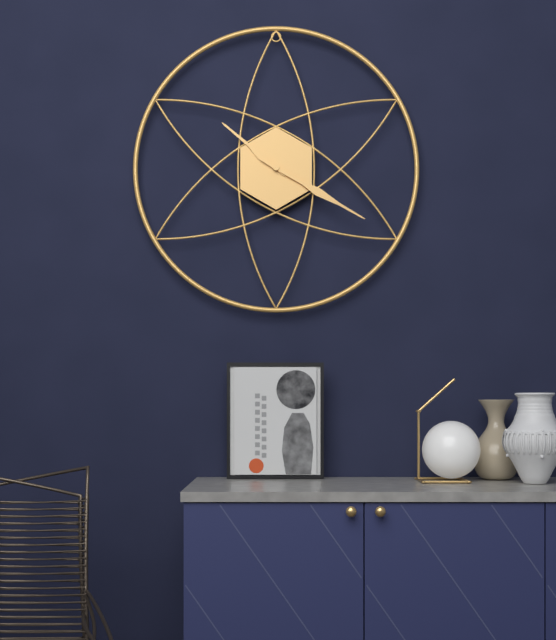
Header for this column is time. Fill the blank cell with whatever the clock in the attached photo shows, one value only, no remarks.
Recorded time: 10:20
